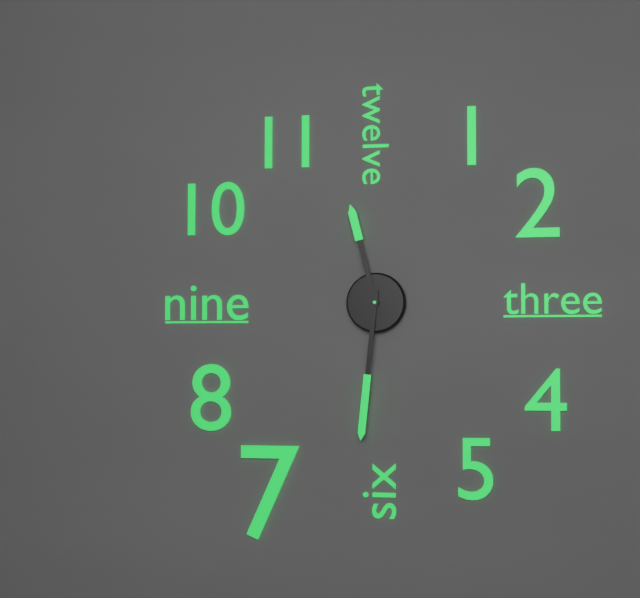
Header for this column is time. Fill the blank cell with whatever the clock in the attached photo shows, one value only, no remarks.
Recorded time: 11:31
